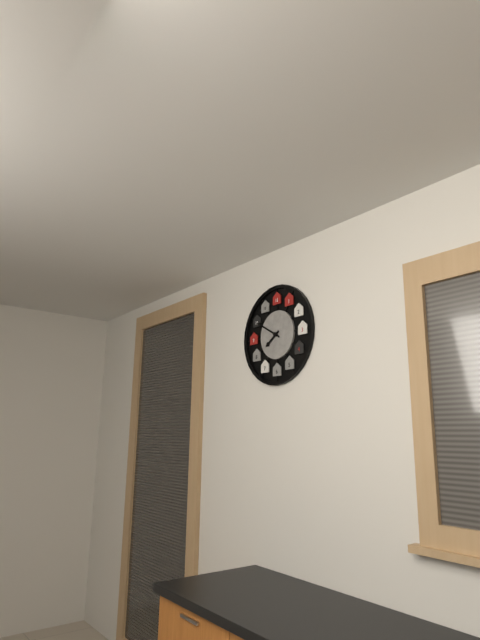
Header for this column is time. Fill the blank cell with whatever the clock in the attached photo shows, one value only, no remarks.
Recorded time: 7:50
